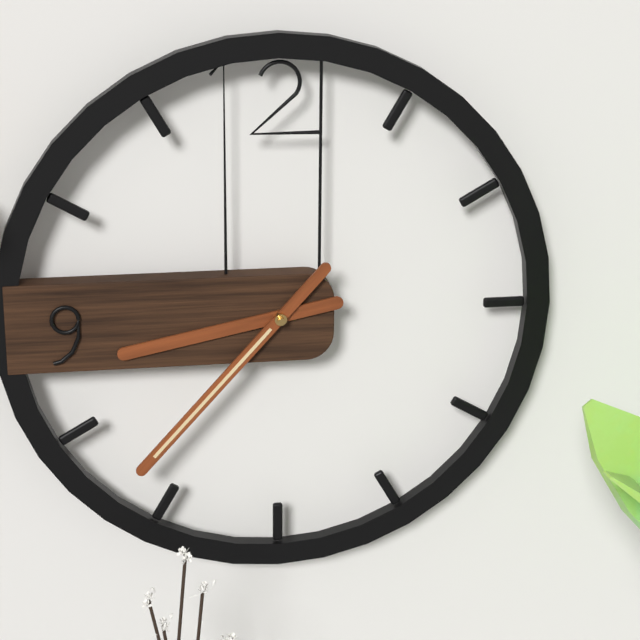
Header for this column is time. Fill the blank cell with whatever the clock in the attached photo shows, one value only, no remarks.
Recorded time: 8:37
